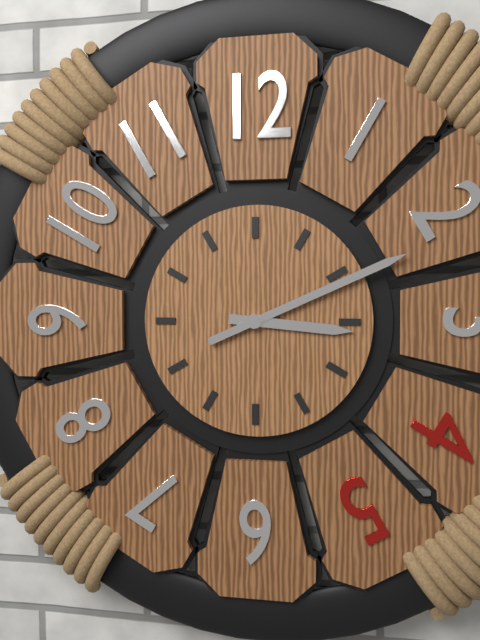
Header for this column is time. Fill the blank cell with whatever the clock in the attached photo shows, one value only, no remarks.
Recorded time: 3:11
